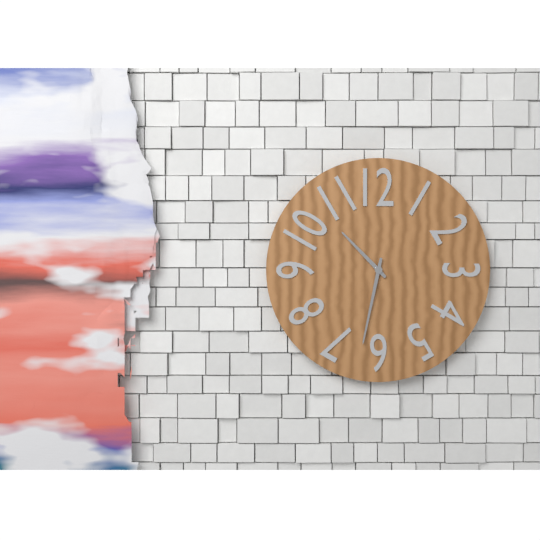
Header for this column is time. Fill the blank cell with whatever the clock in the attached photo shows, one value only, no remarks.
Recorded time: 10:32
